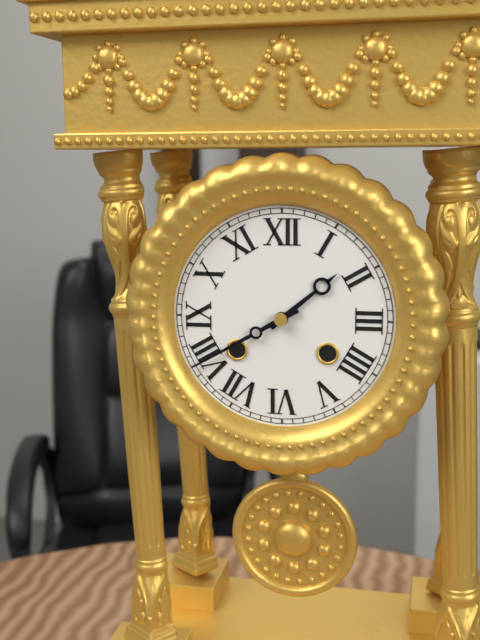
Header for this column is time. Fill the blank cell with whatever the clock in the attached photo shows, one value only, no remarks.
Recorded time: 1:40
